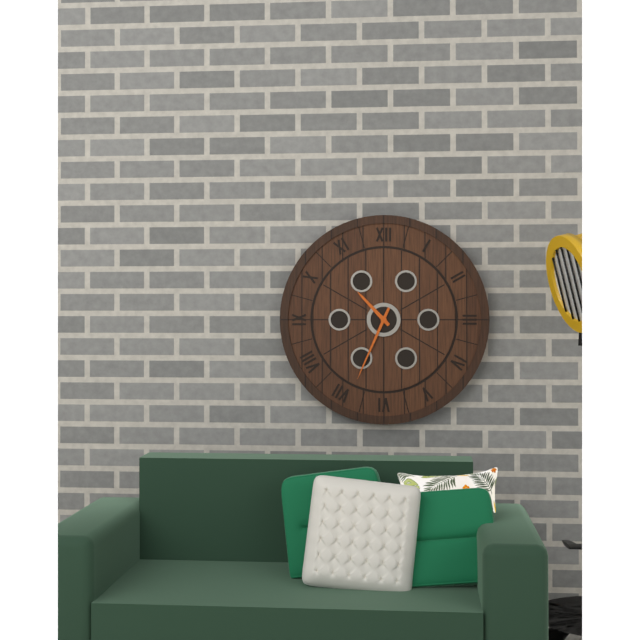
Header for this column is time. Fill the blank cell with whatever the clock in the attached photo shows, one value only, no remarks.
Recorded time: 10:34
